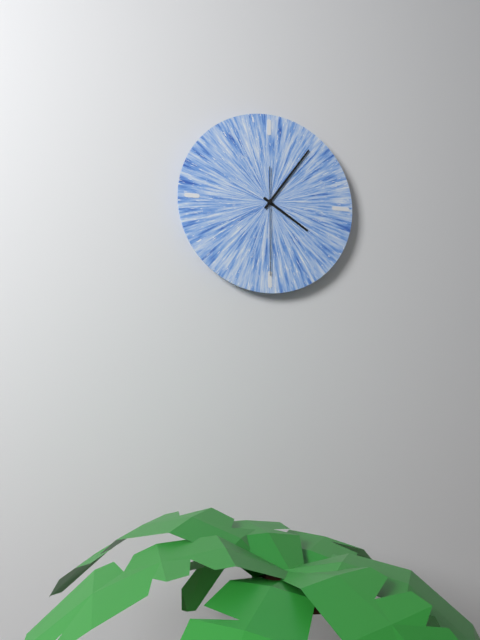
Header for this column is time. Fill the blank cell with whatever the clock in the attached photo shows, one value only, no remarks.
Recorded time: 4:06:30
